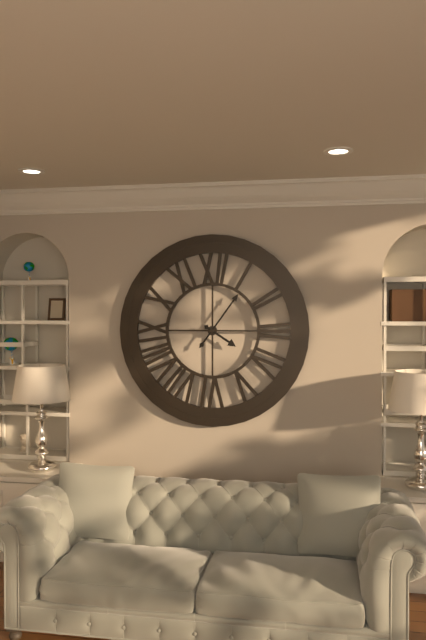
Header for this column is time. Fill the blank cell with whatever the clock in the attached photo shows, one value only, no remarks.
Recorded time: 4:06
